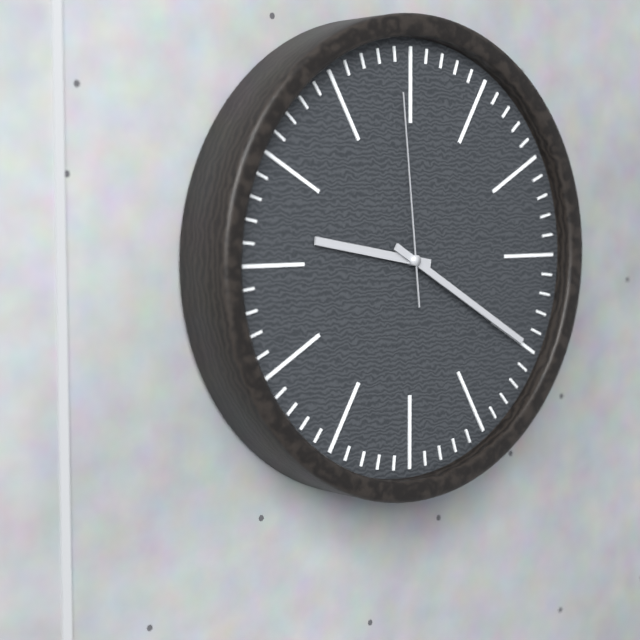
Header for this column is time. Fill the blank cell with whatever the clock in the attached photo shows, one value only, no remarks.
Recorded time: 9:20:59
